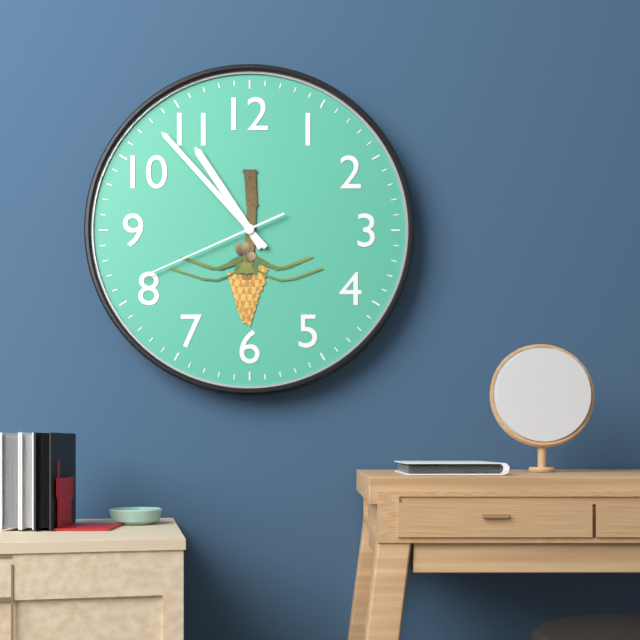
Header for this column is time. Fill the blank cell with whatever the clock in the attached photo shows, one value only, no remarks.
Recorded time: 10:53:41
